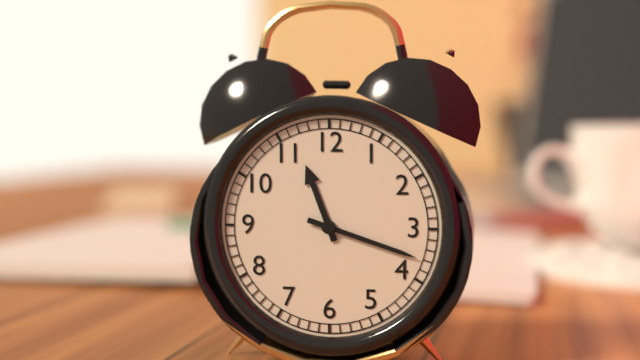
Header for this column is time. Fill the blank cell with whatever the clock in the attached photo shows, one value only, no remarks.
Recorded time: 11:18
